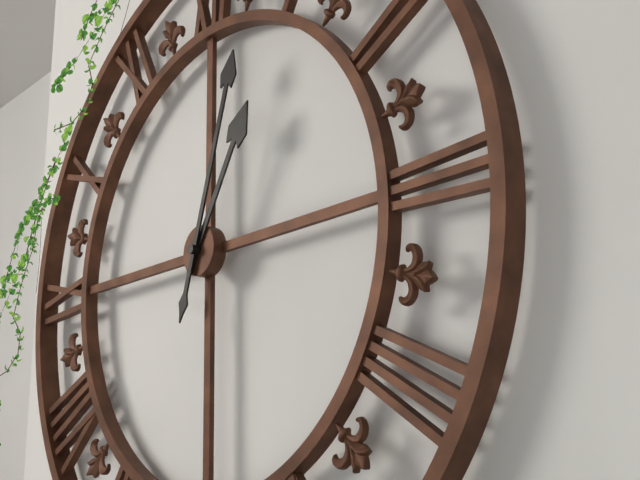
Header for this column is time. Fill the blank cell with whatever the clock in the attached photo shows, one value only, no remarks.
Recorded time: 1:03
